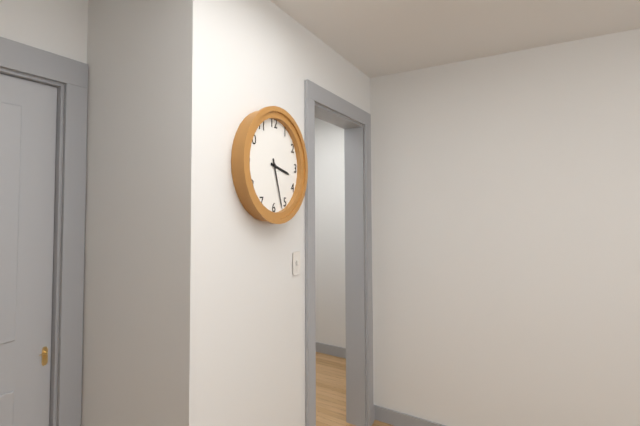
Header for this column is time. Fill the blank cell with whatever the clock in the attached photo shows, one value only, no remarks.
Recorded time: 3:27
